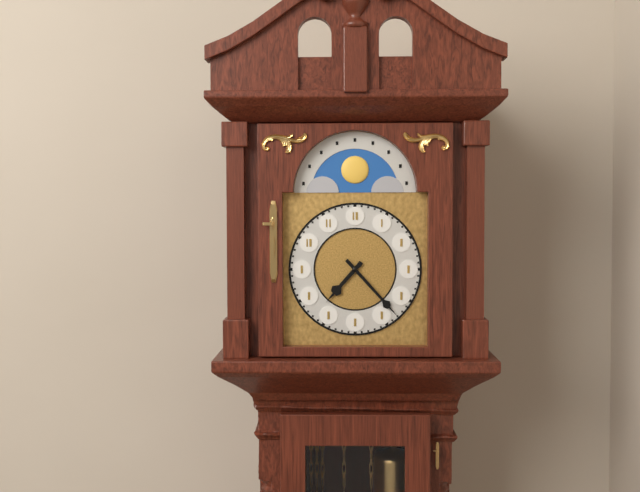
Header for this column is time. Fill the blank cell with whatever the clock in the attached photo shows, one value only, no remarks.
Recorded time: 7:23
